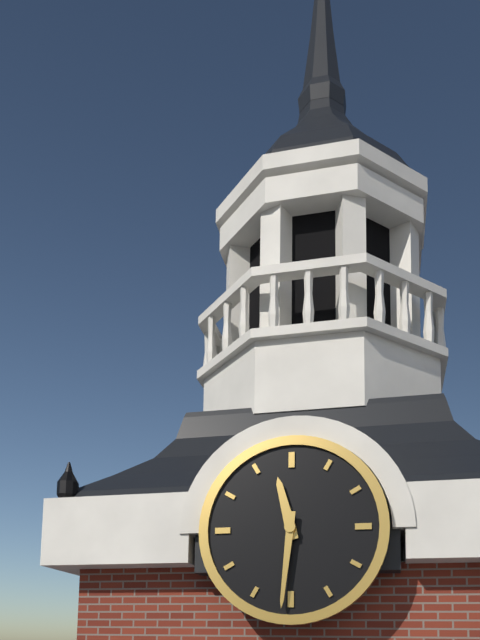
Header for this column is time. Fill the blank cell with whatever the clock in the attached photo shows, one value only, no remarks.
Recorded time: 11:31
